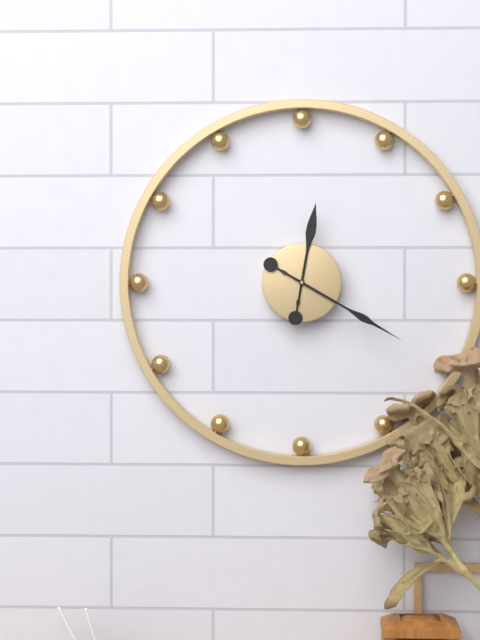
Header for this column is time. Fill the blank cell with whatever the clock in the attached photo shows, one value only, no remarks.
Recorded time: 12:20
